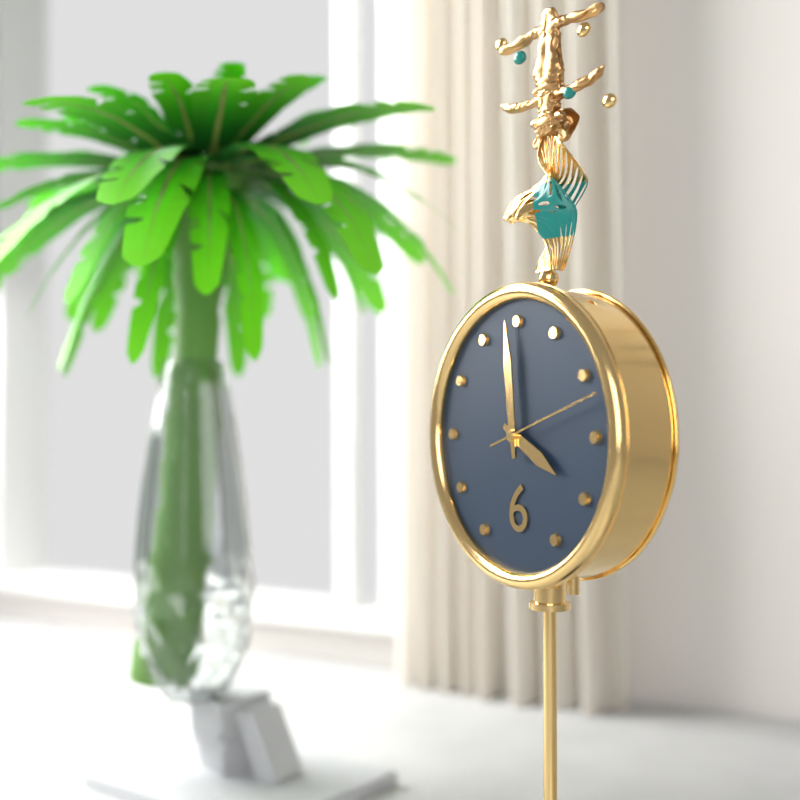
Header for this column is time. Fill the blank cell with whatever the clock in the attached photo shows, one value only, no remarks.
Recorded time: 3:59:12
